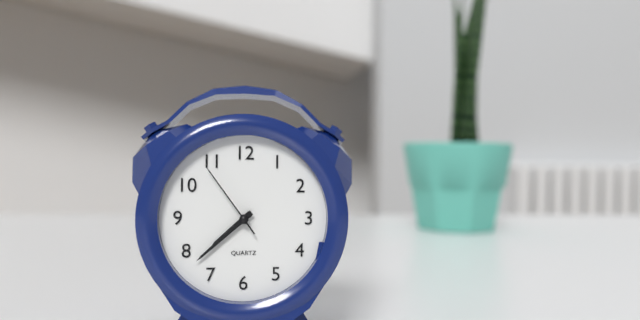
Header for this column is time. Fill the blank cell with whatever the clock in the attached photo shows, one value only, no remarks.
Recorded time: 7:38:54
